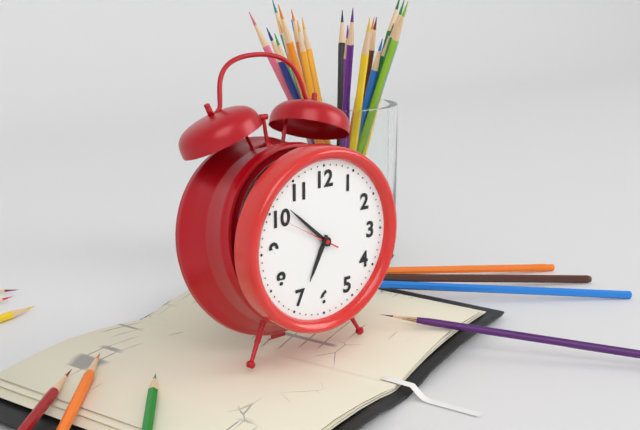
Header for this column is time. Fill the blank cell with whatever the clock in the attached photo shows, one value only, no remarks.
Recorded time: 6:52:50
